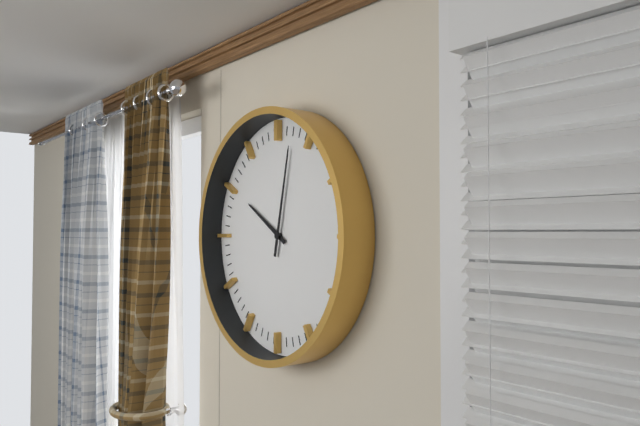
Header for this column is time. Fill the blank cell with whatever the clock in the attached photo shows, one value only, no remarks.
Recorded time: 10:02
